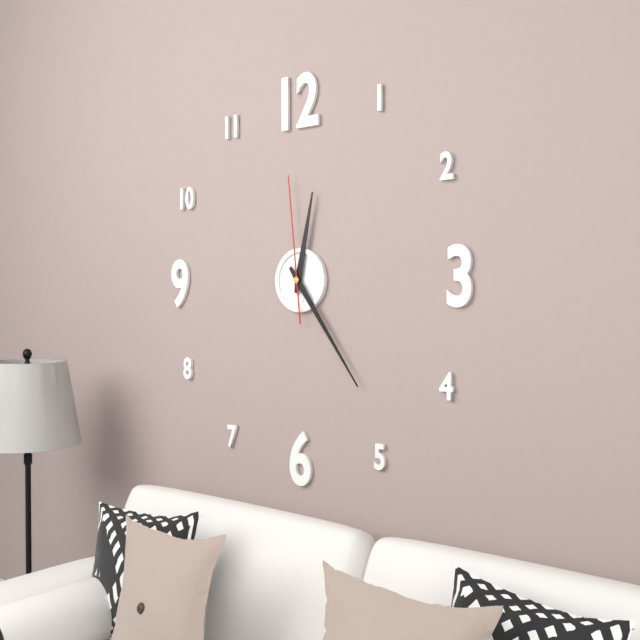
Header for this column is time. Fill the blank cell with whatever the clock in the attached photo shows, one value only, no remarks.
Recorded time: 12:24:59
